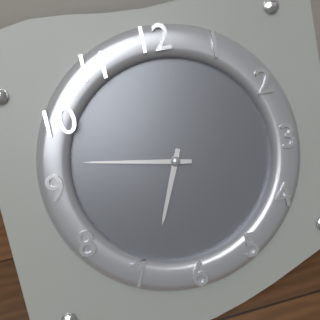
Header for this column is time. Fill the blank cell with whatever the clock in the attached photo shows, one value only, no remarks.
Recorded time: 6:47
